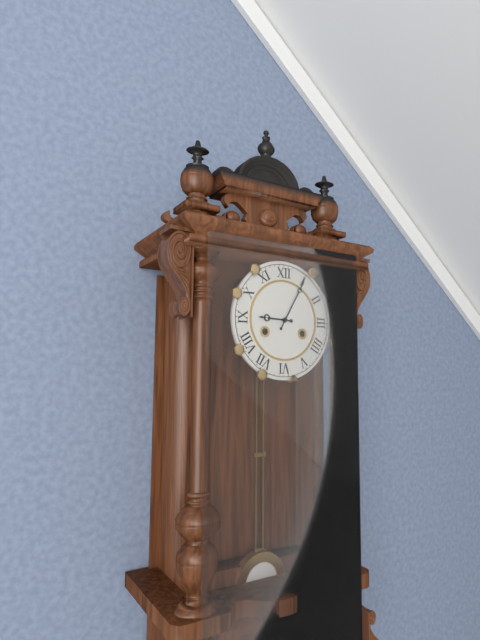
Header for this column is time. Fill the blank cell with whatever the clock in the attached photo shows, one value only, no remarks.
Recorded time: 9:05
